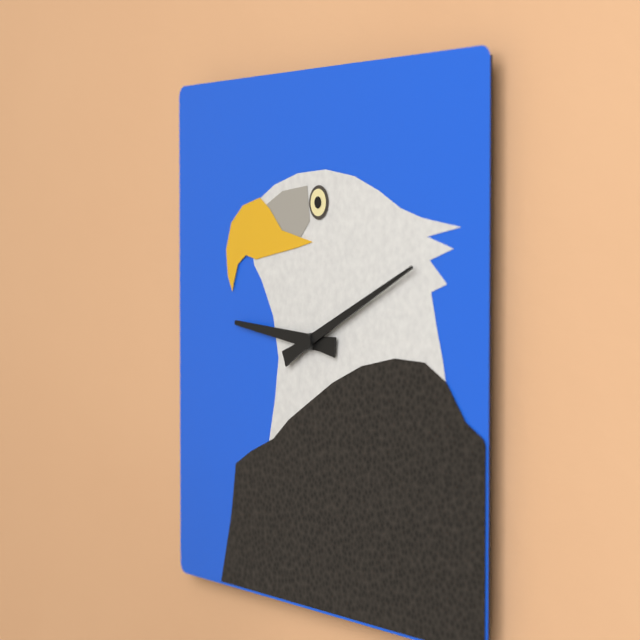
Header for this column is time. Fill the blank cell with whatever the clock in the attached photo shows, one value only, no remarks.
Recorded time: 9:11
